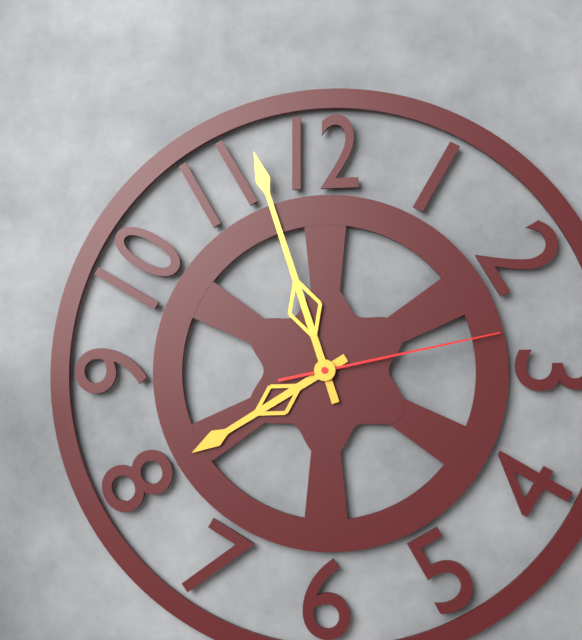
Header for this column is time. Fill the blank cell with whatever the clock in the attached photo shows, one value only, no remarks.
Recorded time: 7:57:13
